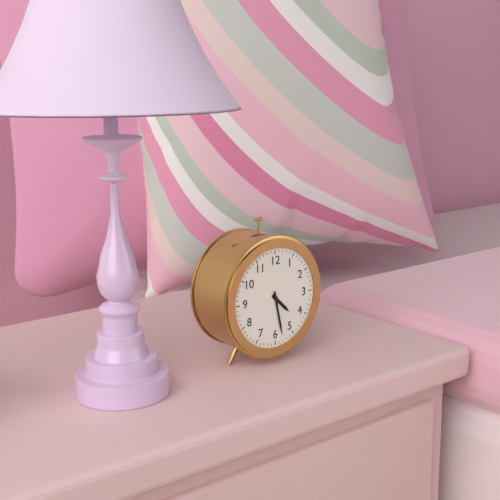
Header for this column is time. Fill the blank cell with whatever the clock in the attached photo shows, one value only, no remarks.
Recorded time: 4:28
